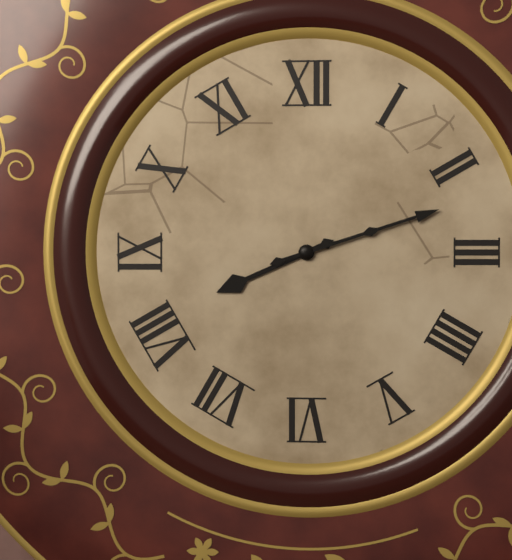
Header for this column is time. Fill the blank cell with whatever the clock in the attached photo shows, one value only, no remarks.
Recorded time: 8:12
